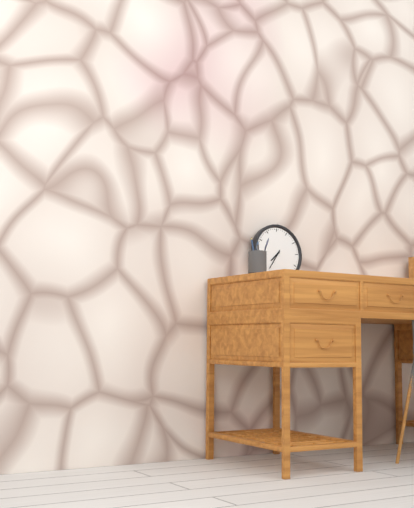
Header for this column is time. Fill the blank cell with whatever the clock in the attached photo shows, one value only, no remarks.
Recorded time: 7:36
